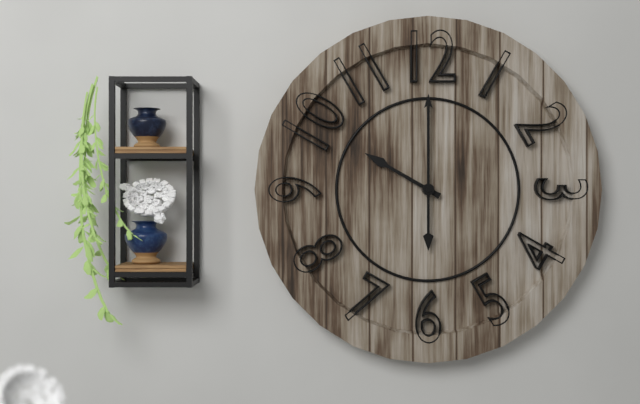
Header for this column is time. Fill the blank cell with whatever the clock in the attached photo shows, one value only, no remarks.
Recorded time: 10:00
